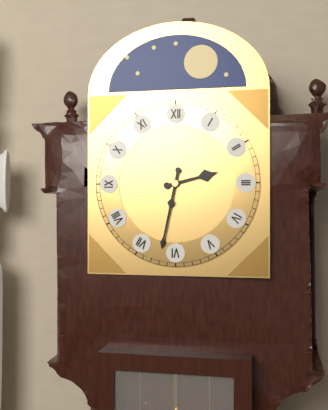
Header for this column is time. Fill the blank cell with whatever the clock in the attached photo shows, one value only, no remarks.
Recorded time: 2:32
